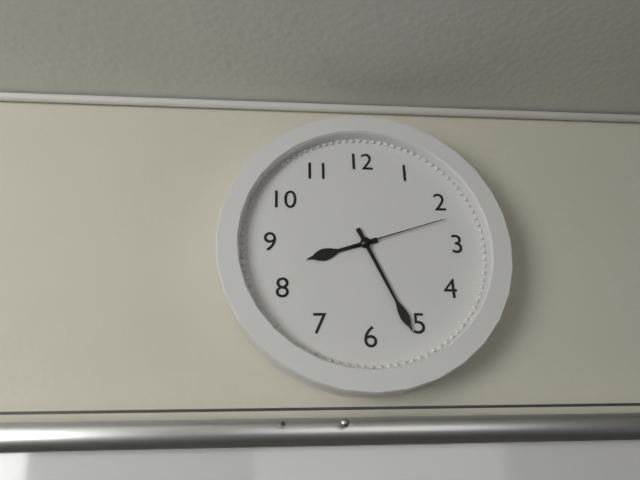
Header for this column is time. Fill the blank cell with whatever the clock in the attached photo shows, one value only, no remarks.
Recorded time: 8:26:12
